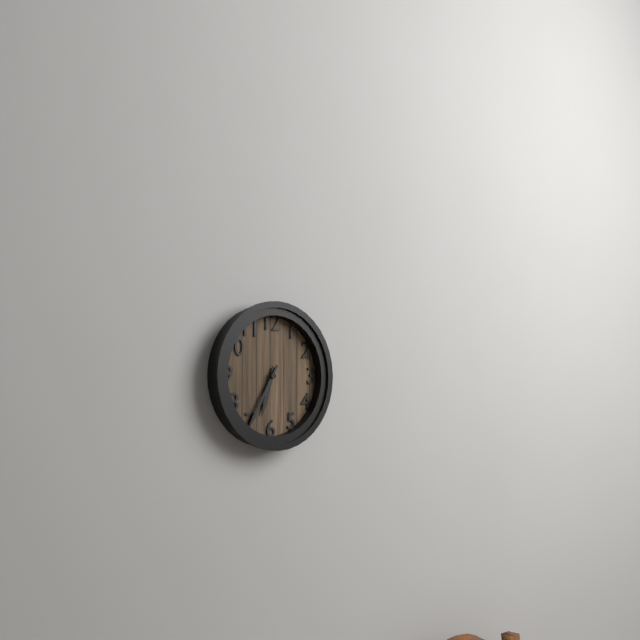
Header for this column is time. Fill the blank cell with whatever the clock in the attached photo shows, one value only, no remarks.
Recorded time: 6:35
